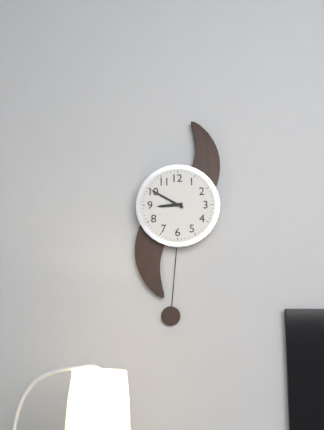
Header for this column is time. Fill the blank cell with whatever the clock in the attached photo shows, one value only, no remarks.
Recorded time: 8:50
